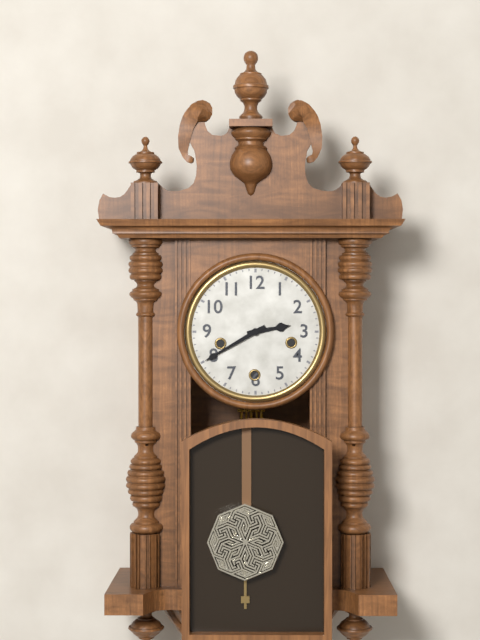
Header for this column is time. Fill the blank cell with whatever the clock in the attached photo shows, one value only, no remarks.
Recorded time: 2:40
